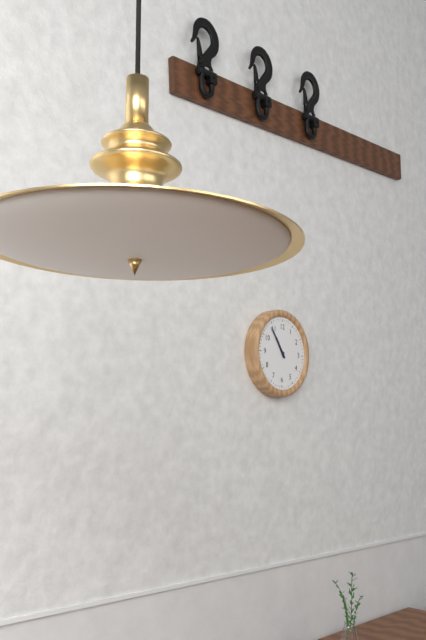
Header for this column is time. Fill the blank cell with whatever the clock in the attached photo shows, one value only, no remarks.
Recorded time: 10:54
